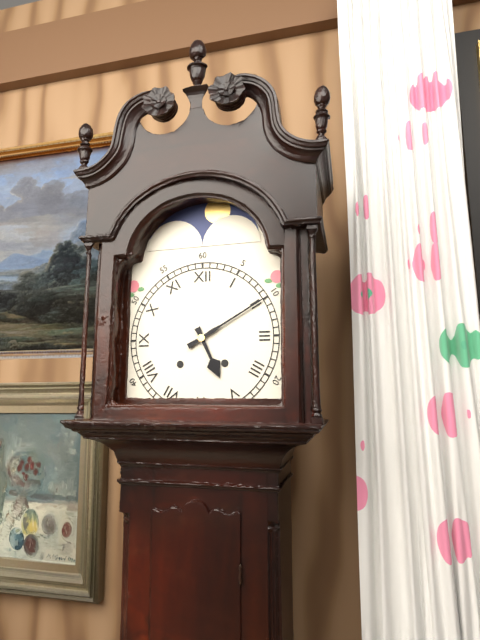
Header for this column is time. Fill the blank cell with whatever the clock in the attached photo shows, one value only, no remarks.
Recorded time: 5:10
